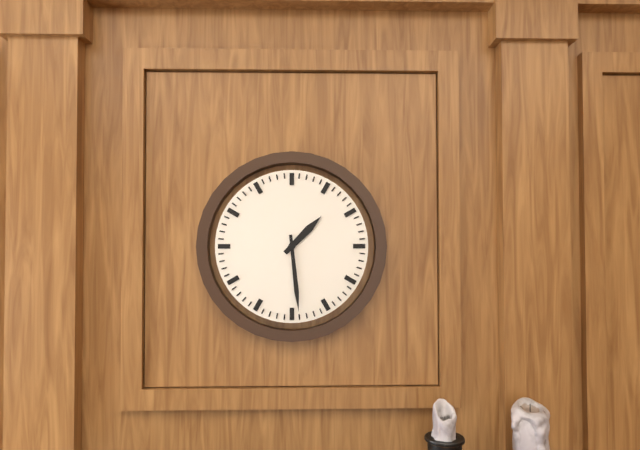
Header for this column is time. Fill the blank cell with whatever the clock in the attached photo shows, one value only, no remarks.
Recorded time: 1:29
